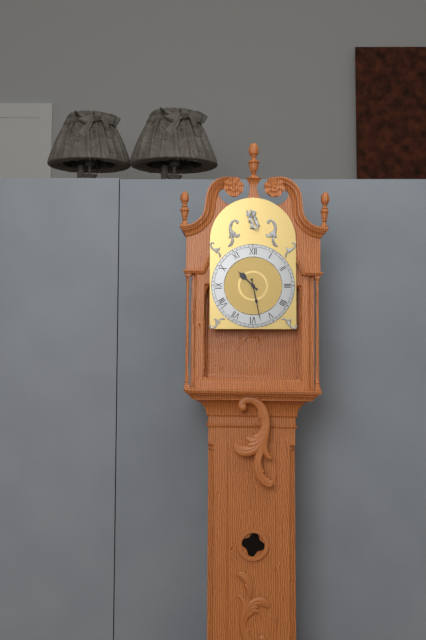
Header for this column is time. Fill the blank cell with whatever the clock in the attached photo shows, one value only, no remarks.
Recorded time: 10:28
